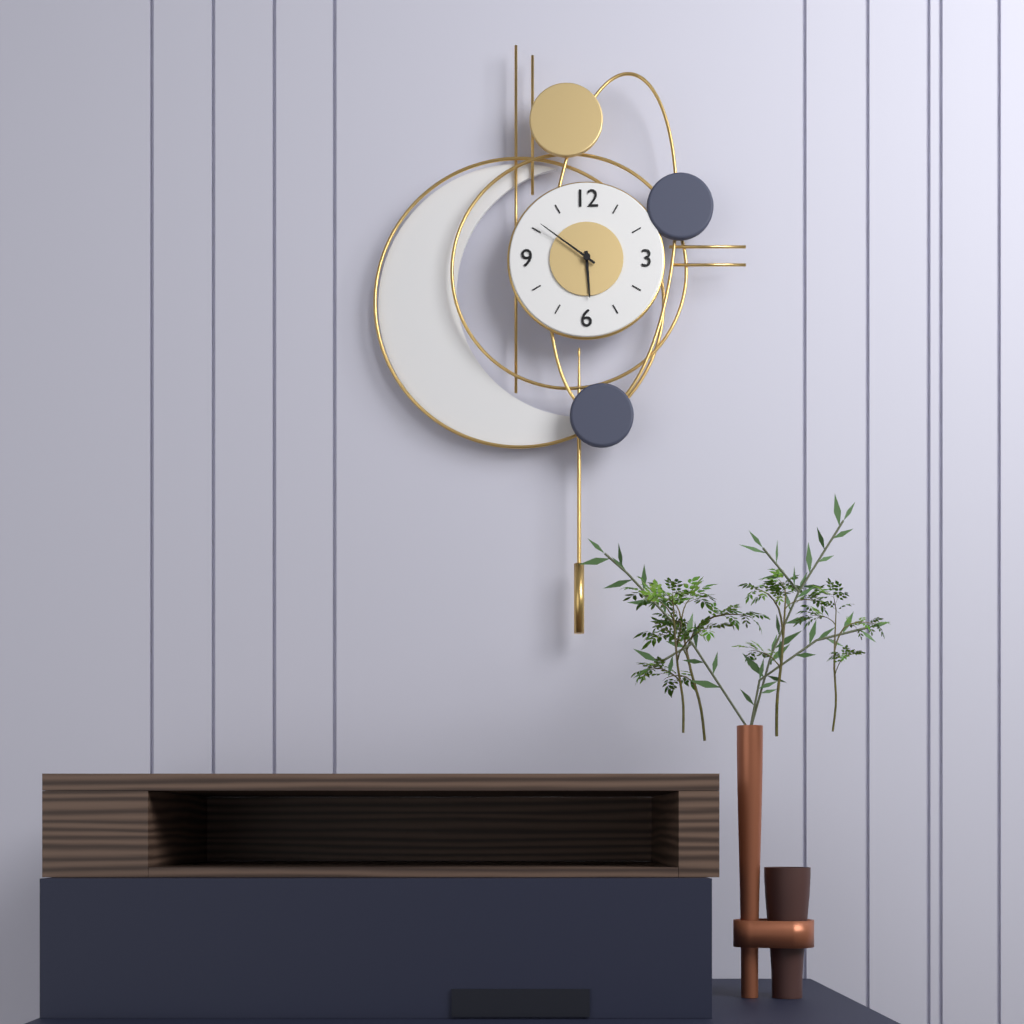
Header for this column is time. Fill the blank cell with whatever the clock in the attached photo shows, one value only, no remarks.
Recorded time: 5:51
